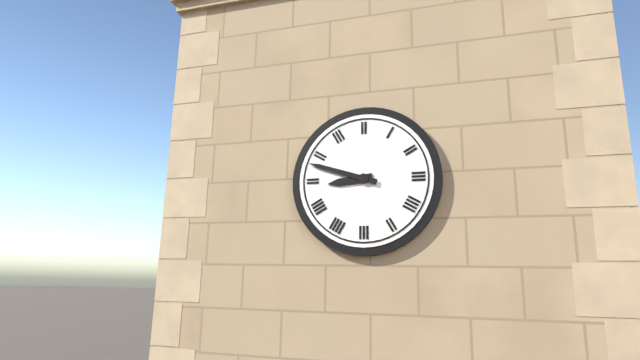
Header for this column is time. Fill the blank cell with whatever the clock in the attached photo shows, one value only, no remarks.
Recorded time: 8:48
